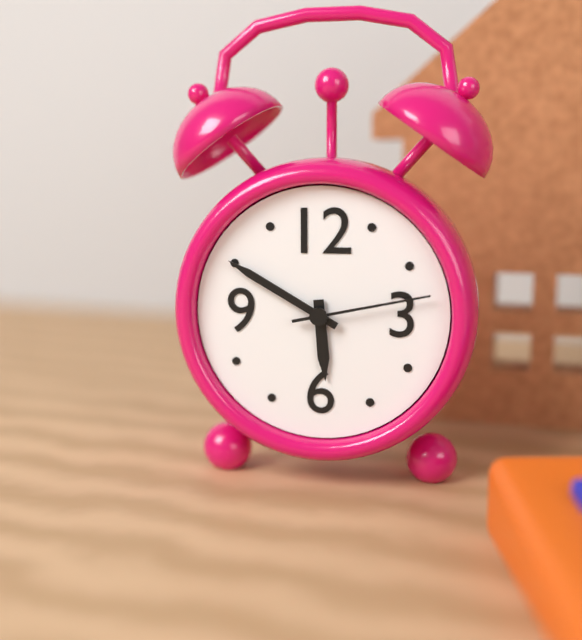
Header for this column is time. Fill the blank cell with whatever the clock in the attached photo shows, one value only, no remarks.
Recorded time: 5:50:13
